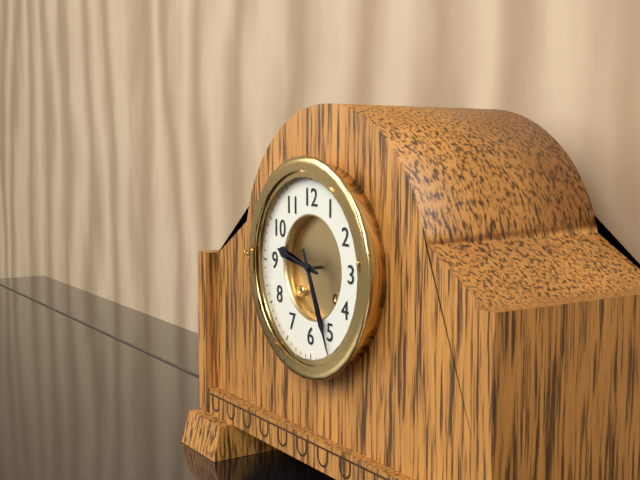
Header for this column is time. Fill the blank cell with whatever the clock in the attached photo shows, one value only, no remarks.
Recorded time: 9:26
